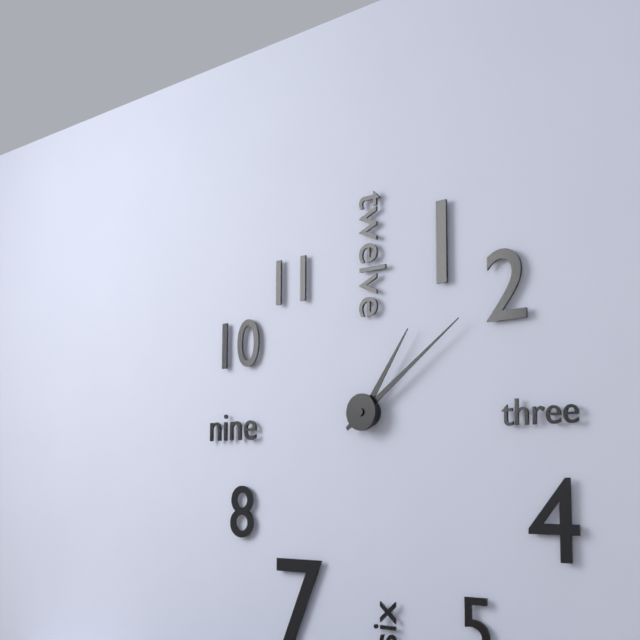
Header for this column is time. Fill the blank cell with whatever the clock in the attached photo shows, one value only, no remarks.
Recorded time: 1:09
